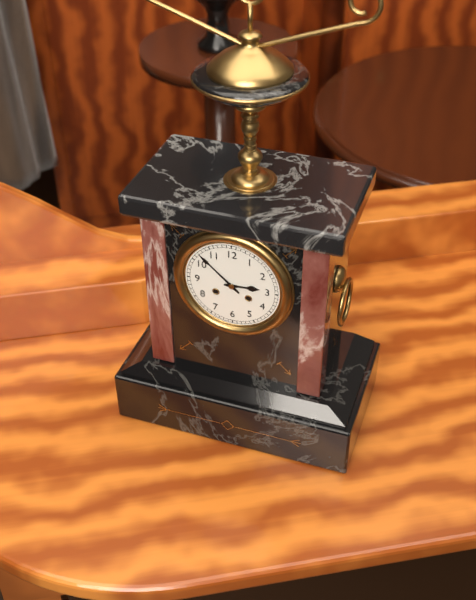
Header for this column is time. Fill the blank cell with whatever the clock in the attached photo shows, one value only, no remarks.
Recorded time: 2:52
